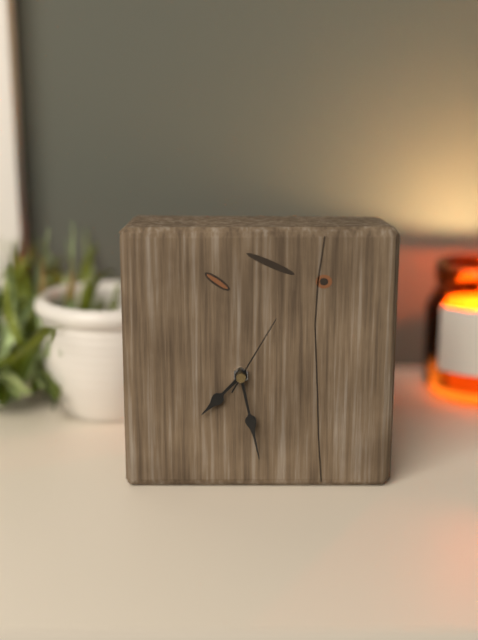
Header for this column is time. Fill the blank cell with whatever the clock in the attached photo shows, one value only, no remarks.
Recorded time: 7:28:05
